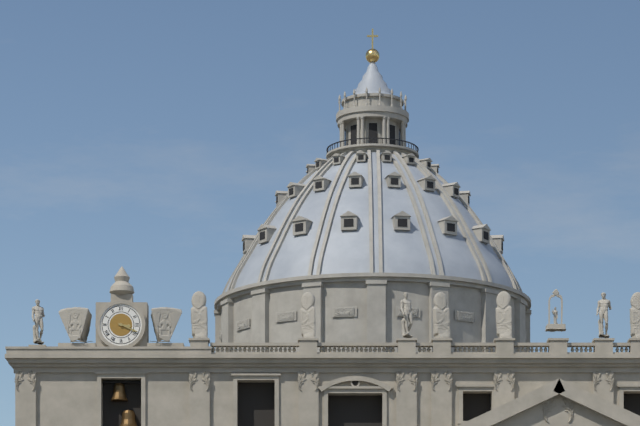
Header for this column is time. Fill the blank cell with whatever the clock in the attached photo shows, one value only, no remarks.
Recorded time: 3:19
